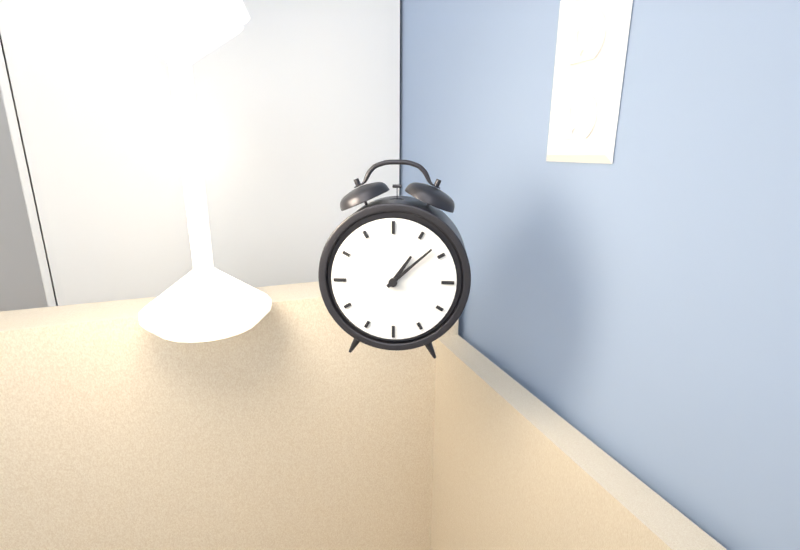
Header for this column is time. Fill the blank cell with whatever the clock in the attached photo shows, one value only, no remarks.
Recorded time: 1:08
